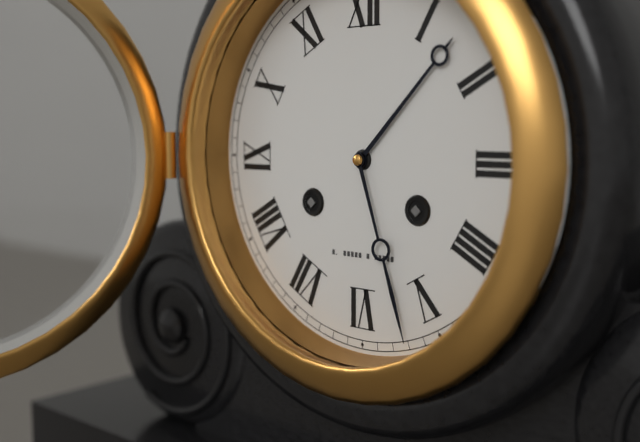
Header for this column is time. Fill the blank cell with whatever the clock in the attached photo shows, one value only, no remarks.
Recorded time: 1:27
